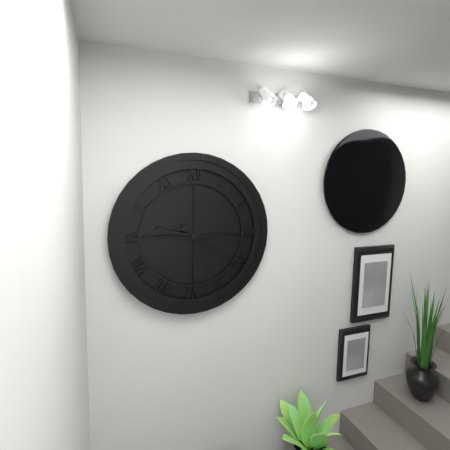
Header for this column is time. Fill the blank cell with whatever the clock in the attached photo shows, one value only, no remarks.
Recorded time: 9:21
